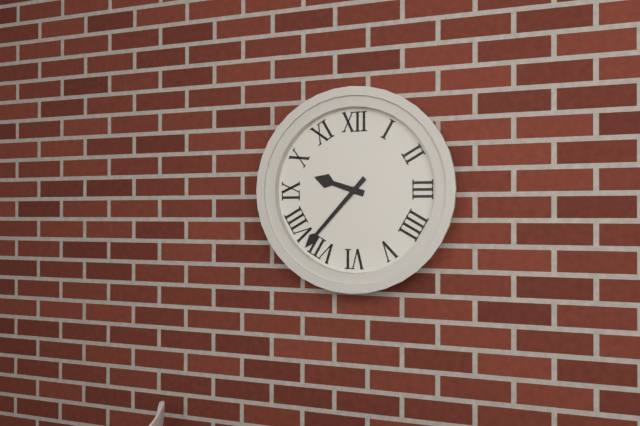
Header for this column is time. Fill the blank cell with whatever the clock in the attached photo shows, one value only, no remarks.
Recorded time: 9:37
